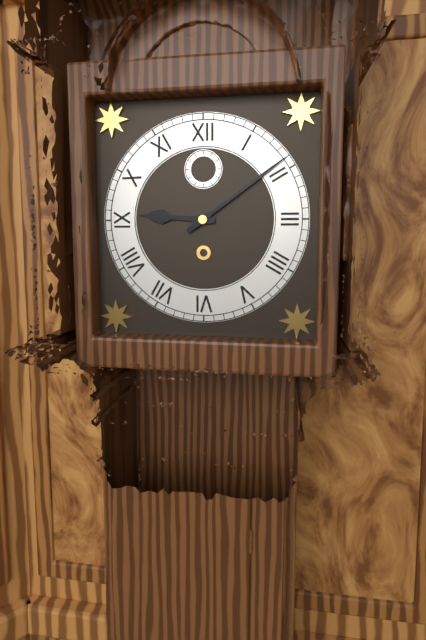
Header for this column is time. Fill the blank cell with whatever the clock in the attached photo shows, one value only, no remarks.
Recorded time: 9:09
